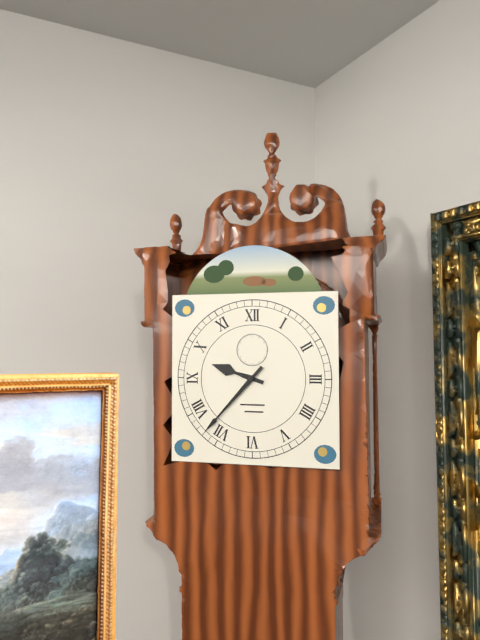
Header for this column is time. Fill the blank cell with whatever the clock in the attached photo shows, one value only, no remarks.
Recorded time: 9:37
